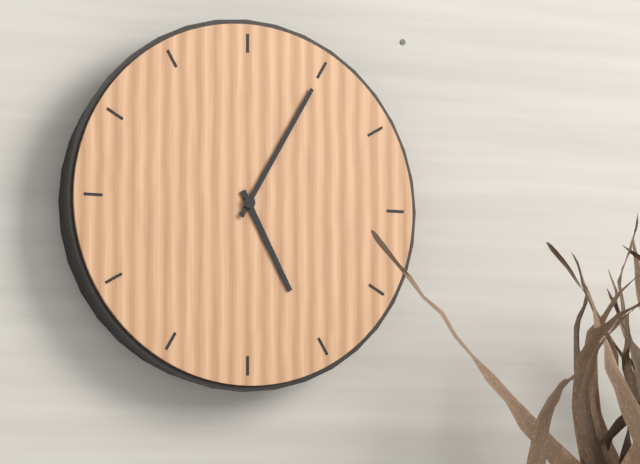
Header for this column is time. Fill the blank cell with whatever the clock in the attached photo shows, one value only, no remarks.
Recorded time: 5:05
